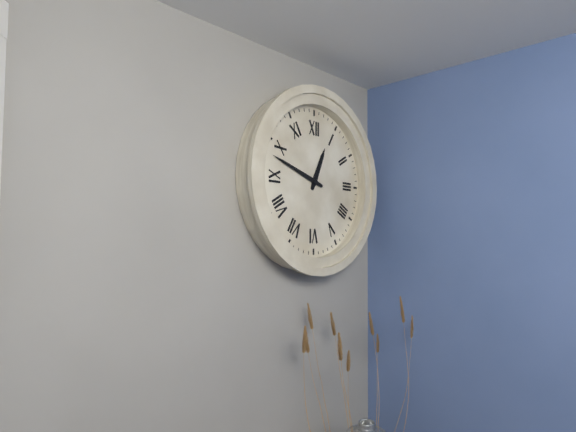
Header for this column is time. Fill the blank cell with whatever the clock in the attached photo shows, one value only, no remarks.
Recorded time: 12:48
